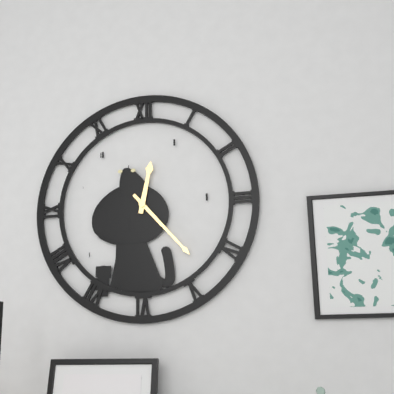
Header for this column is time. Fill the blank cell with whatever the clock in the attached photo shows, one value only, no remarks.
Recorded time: 12:23
